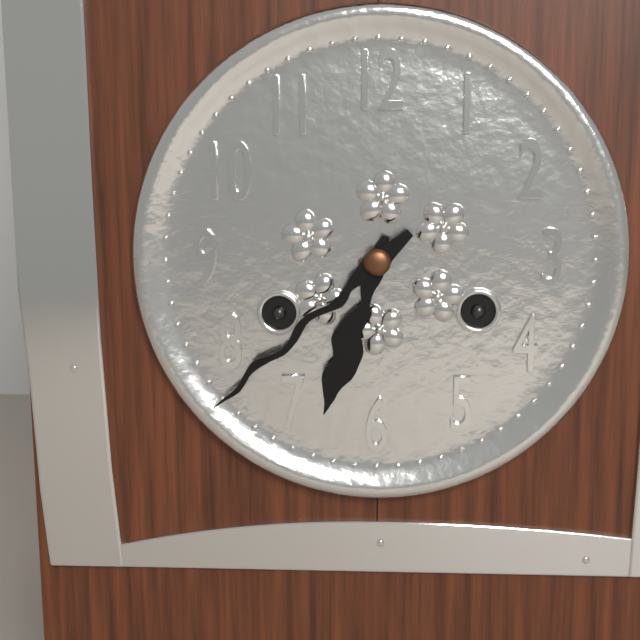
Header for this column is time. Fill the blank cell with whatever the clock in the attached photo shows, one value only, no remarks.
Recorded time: 6:38
